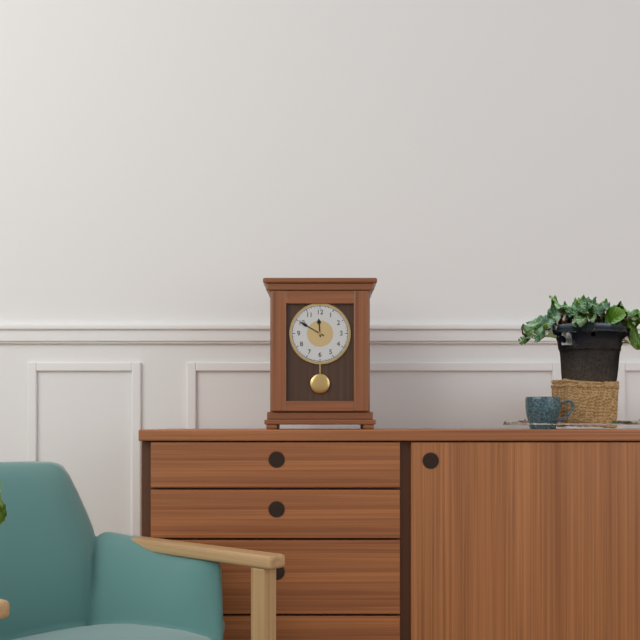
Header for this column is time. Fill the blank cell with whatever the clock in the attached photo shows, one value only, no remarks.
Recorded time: 11:50
